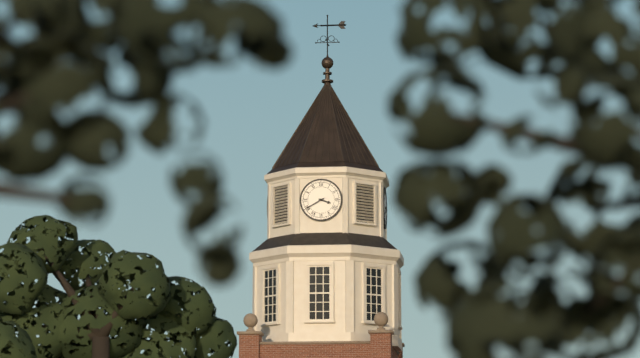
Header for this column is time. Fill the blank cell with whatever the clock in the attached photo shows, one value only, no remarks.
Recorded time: 3:40
